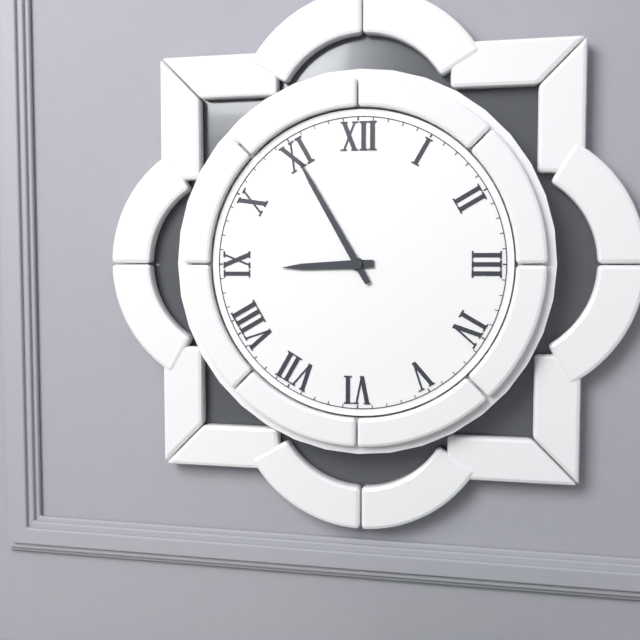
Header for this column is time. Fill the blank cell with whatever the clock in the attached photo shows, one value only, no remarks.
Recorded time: 8:55
